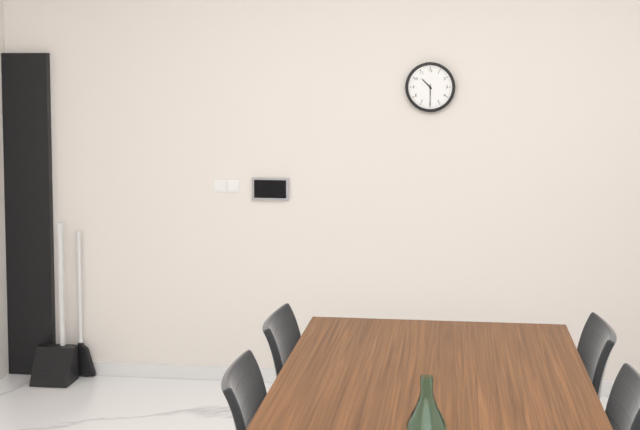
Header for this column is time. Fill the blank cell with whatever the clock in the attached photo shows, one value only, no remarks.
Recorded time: 10:30
